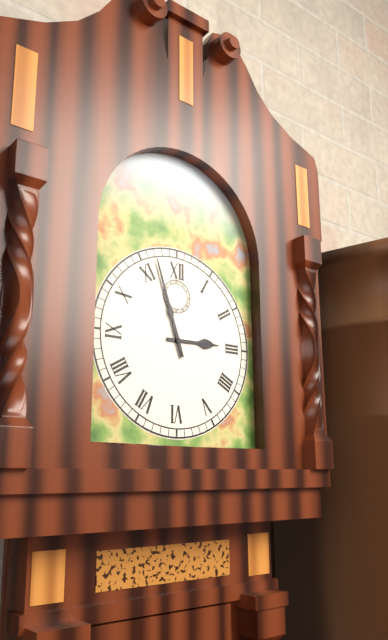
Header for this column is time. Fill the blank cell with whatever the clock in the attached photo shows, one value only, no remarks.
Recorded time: 2:57
